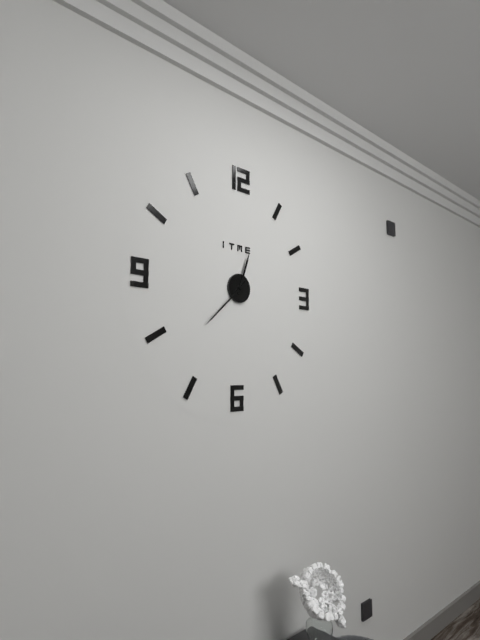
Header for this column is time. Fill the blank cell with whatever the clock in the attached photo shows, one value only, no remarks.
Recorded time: 12:38
